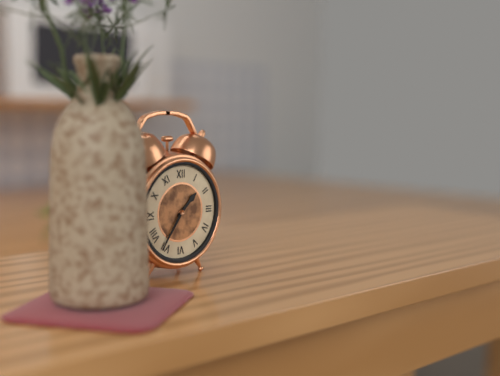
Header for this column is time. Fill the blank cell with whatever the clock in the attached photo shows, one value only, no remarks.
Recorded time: 1:36
